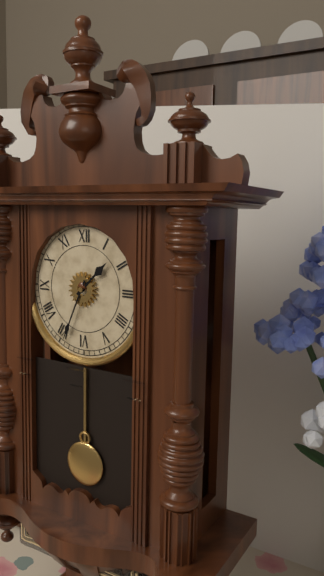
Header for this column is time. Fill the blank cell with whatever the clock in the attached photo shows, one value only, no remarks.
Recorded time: 1:34
